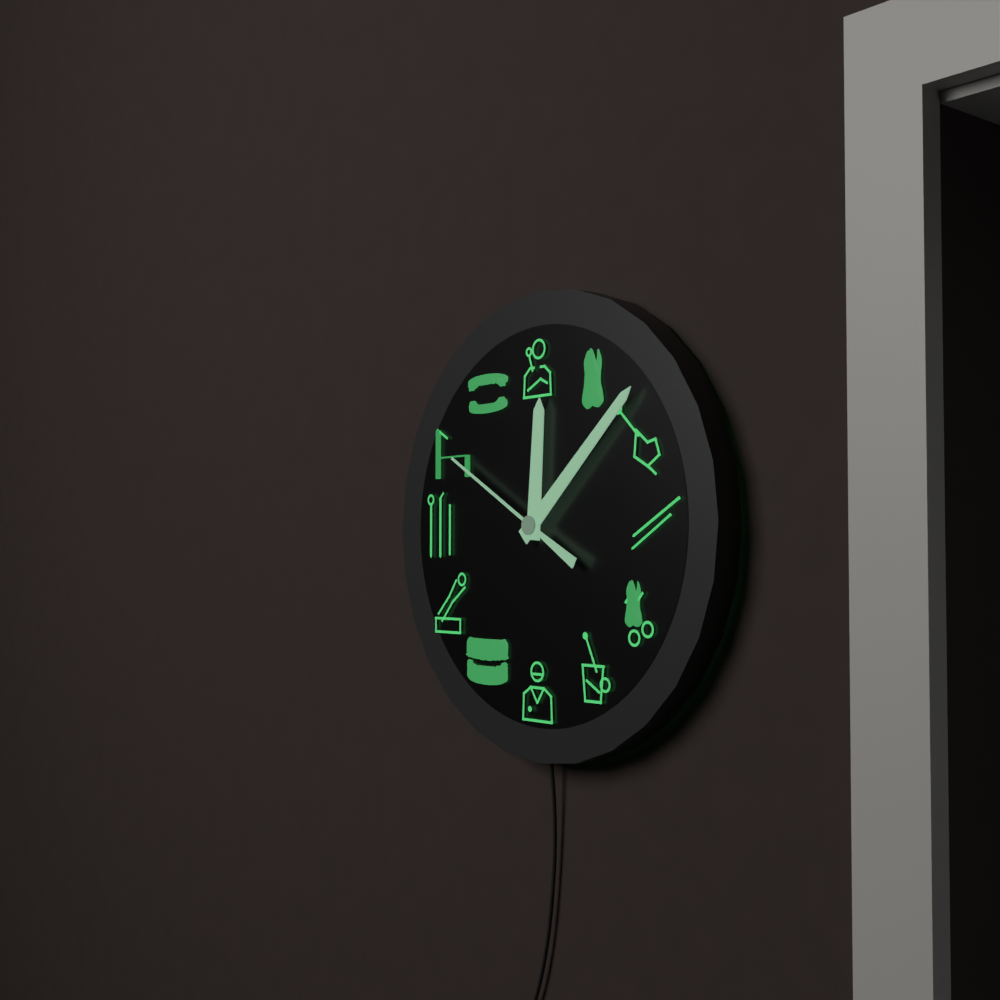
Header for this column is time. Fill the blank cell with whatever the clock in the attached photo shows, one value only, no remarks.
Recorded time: 12:08:50
